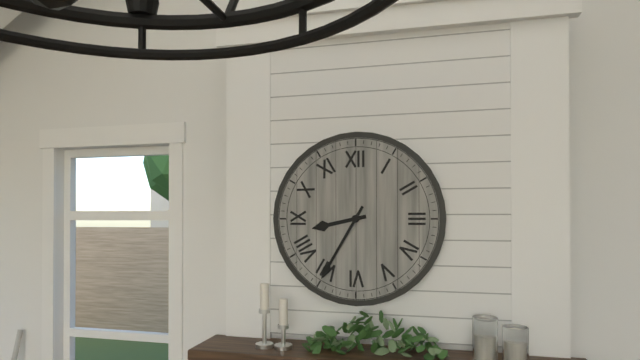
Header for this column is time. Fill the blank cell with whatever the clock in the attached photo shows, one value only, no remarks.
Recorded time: 8:35
